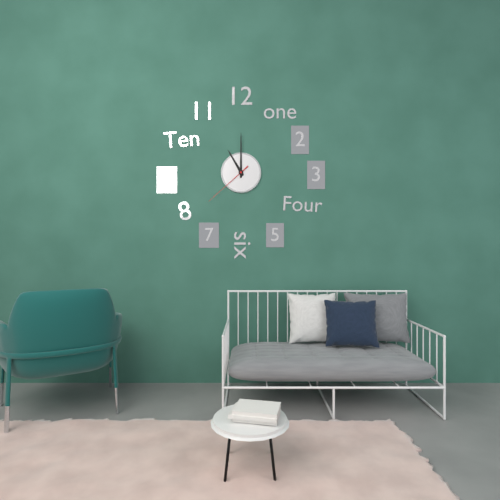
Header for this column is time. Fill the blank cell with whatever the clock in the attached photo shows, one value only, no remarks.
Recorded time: 11:00:38
